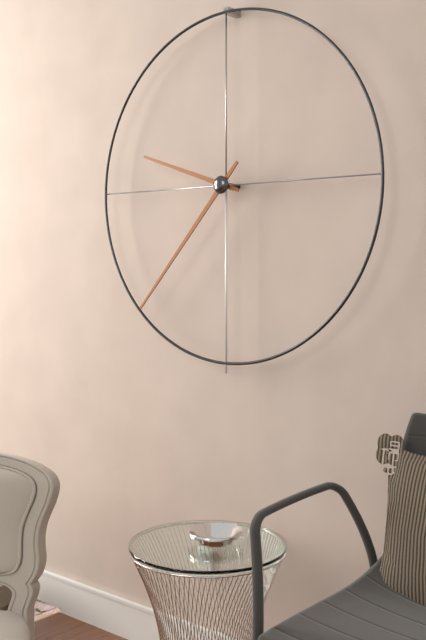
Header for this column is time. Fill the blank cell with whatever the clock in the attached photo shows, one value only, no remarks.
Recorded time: 9:37
